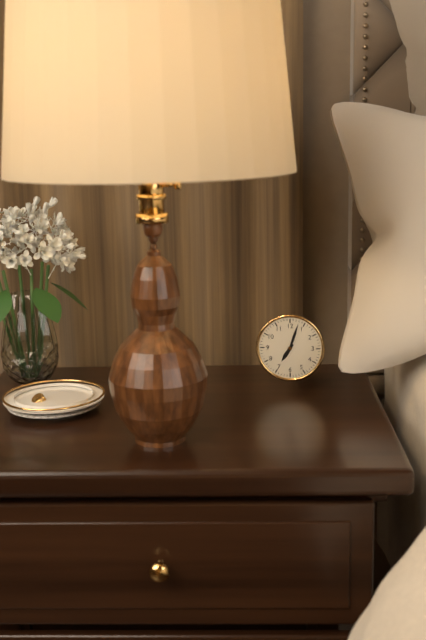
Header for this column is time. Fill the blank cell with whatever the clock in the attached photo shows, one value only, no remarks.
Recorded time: 7:03
